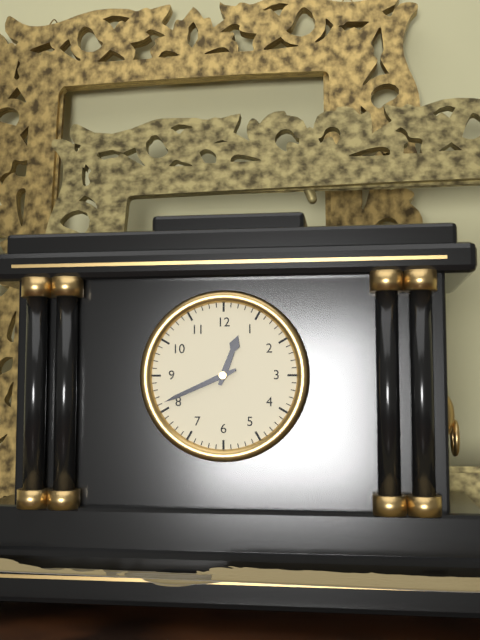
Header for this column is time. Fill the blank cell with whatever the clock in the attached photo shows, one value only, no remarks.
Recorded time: 12:41
